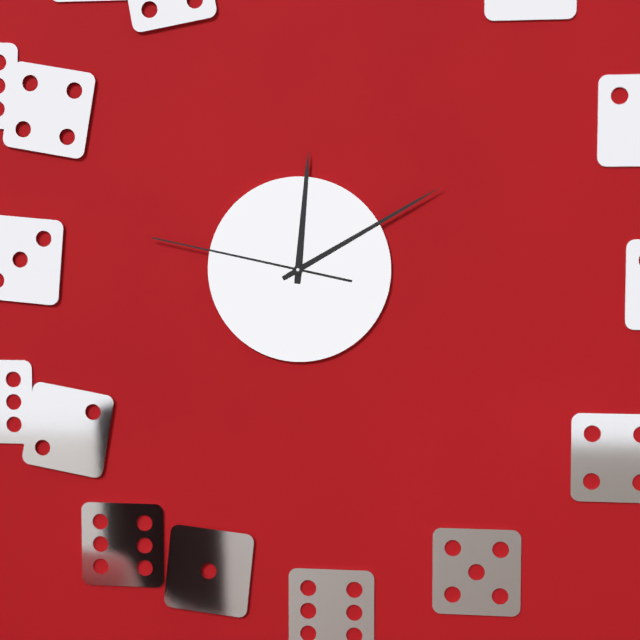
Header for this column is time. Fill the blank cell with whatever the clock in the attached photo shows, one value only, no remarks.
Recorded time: 12:10:47
